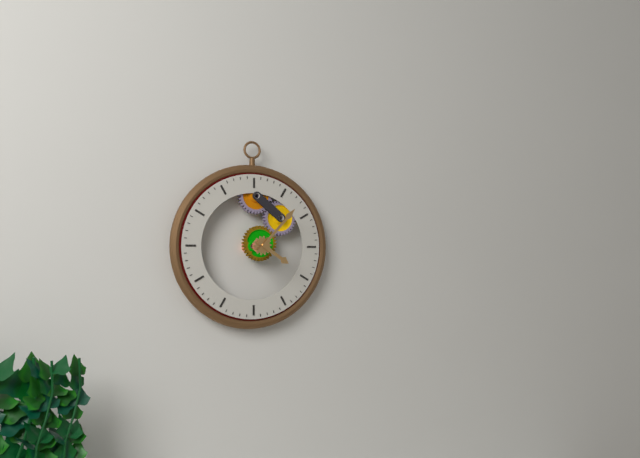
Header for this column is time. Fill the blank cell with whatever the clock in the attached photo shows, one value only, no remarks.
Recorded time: 4:07
